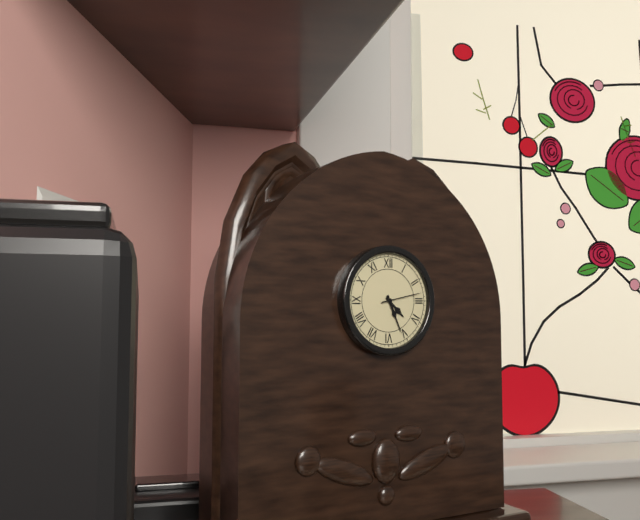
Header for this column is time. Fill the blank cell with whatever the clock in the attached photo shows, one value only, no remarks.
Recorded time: 4:26
